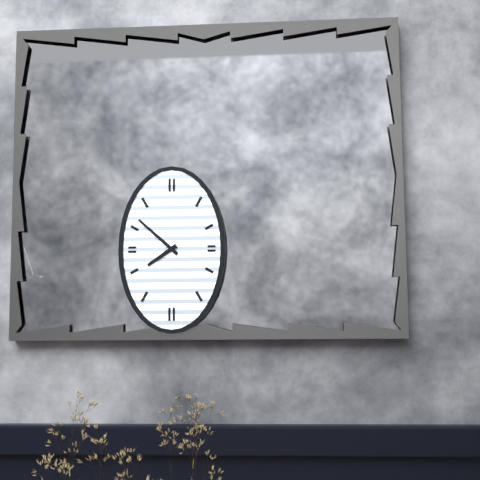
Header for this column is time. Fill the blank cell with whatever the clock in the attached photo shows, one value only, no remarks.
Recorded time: 7:52
